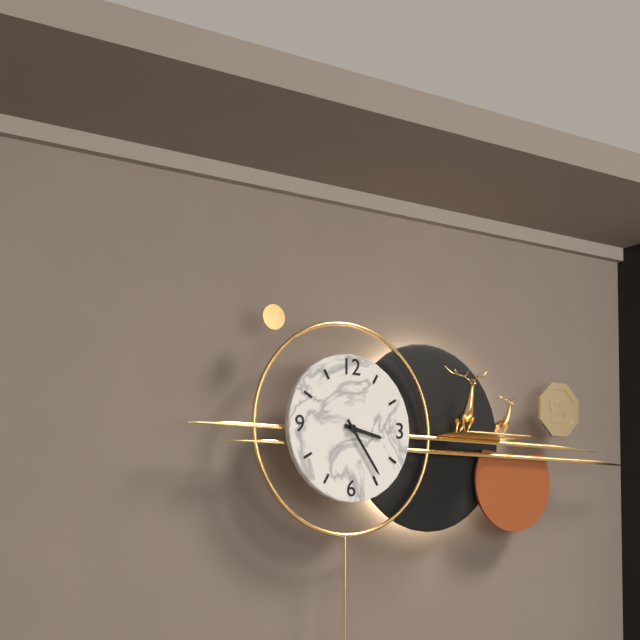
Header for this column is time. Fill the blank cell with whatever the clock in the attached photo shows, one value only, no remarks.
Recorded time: 3:24
